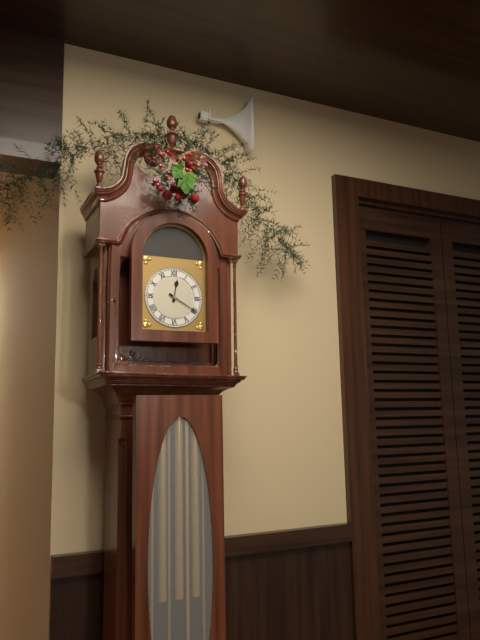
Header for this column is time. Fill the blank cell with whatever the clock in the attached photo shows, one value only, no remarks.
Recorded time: 12:20
